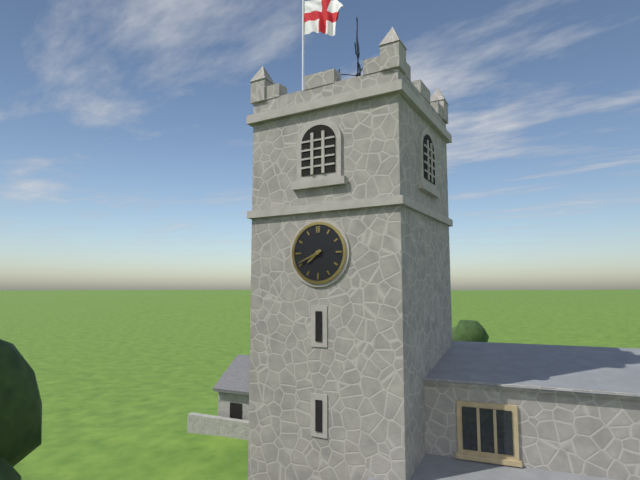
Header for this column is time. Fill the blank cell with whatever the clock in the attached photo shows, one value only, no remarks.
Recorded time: 7:41
